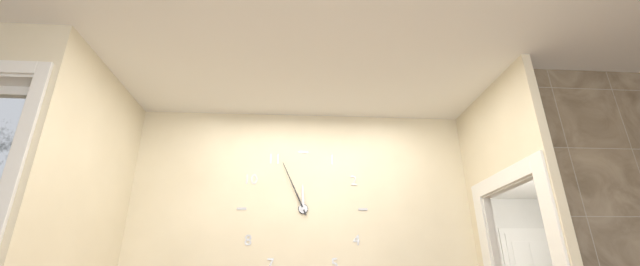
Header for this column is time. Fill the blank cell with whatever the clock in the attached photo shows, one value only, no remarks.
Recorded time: 11:56
